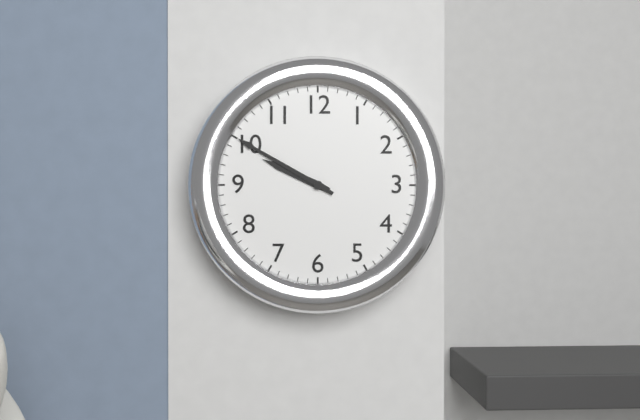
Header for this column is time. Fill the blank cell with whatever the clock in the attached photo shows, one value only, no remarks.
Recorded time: 9:50
